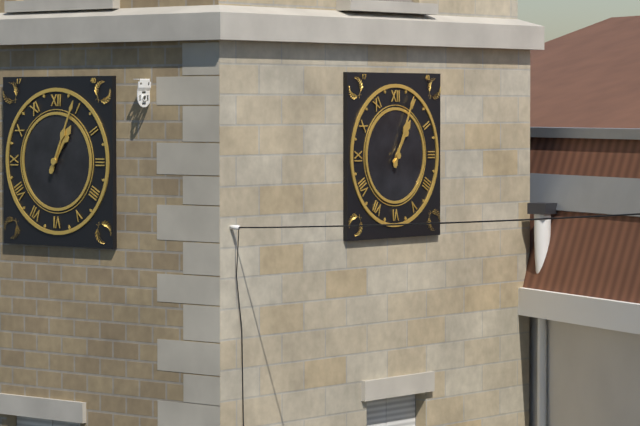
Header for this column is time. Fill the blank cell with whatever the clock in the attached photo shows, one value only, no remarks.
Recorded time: 1:04
